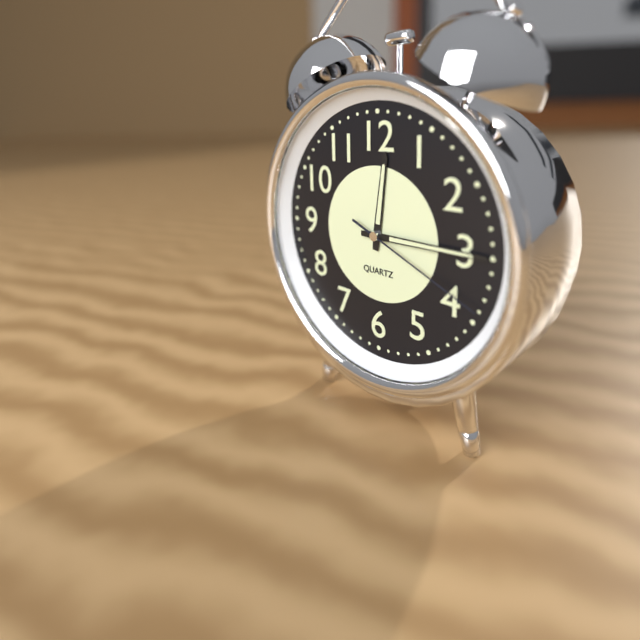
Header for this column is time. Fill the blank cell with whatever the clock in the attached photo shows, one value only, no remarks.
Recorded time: 12:15:19
